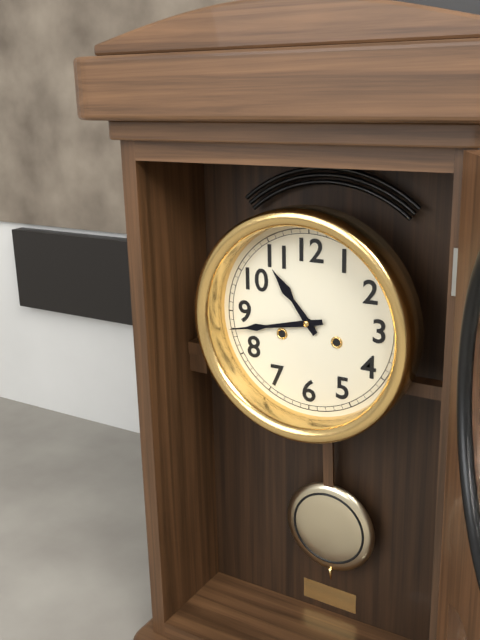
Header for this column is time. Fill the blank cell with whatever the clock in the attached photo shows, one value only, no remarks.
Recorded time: 10:43
